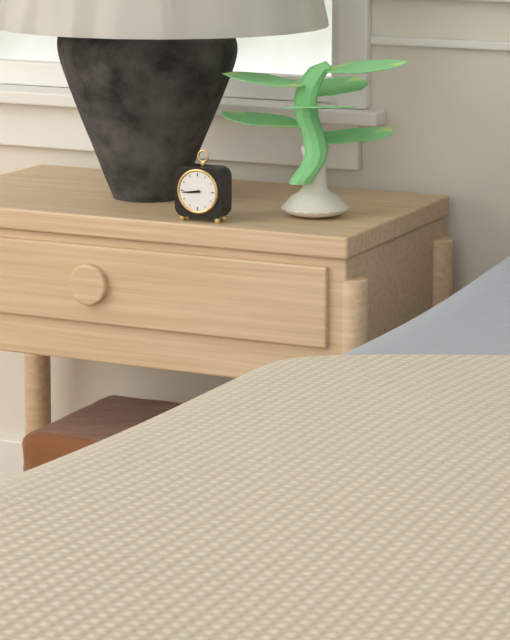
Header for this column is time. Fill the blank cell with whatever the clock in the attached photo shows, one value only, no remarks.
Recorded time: 8:44
